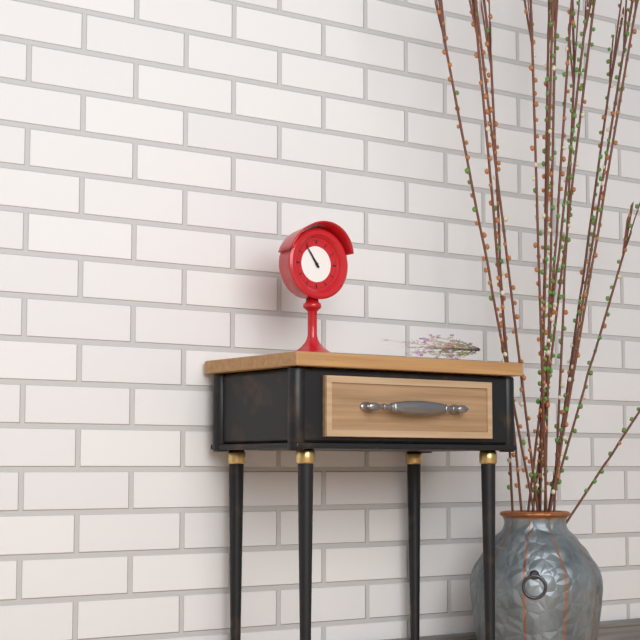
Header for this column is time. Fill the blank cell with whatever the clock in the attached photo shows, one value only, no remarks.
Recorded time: 10:54
